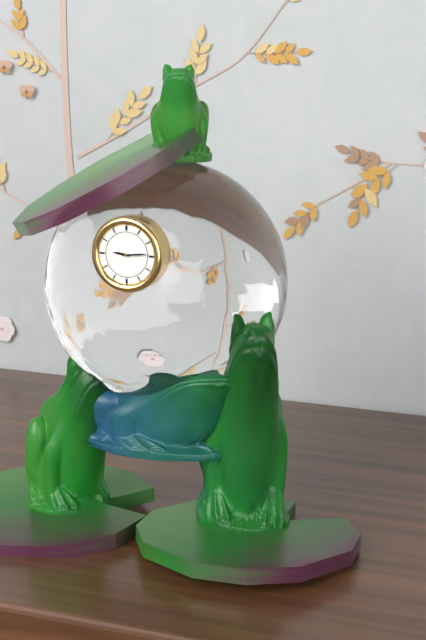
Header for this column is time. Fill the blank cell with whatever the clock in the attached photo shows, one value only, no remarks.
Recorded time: 9:14
